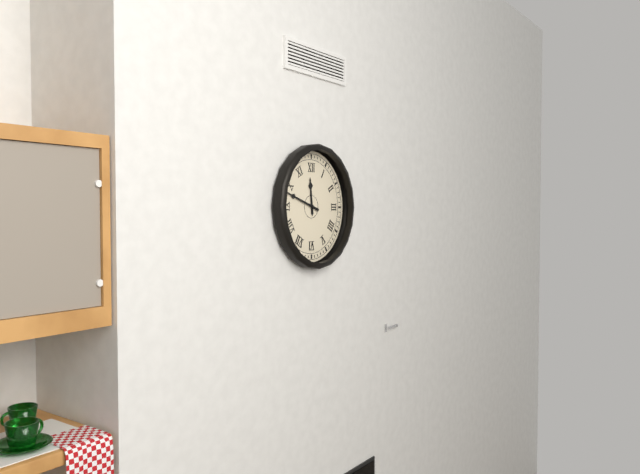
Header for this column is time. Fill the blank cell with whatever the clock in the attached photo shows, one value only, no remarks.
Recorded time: 11:48
